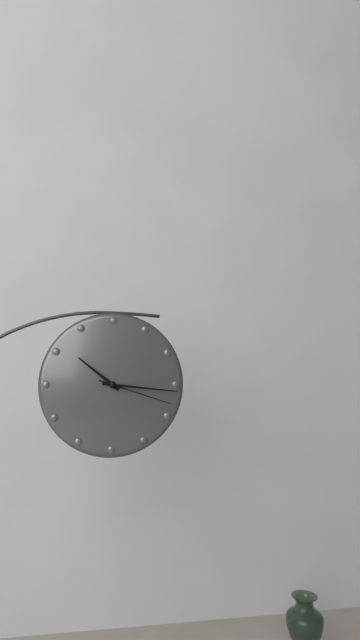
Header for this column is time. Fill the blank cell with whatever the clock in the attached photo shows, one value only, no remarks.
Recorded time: 10:16:18
